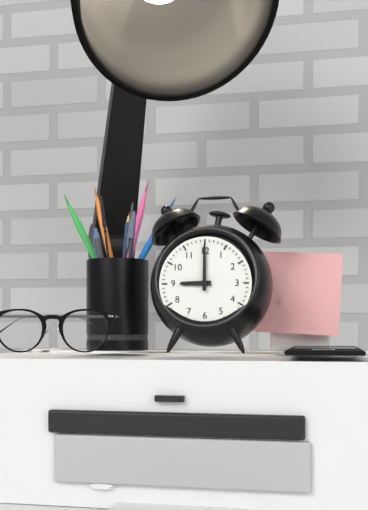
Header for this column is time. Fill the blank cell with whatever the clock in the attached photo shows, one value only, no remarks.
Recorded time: 9:00
